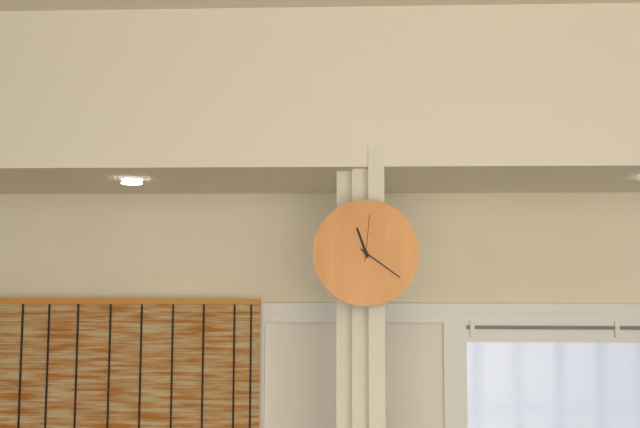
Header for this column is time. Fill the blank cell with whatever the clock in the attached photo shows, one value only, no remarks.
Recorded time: 11:21
